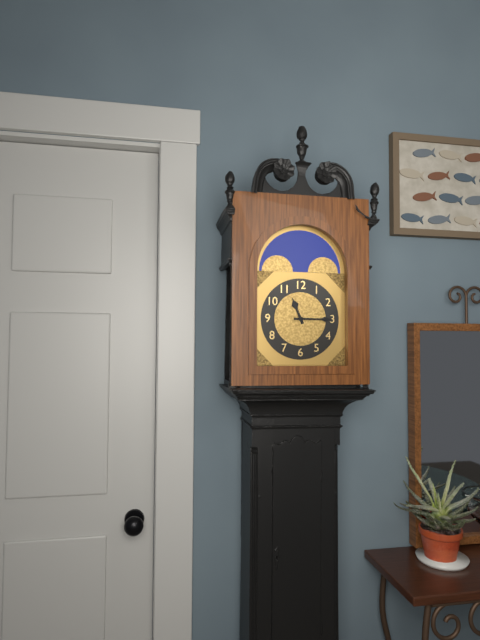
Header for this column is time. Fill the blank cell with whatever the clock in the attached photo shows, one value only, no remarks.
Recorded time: 11:15
